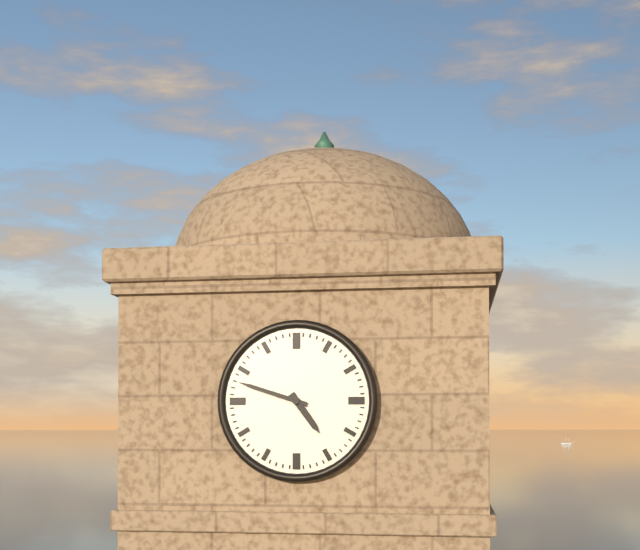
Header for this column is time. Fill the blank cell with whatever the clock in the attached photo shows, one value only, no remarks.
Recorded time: 4:48
